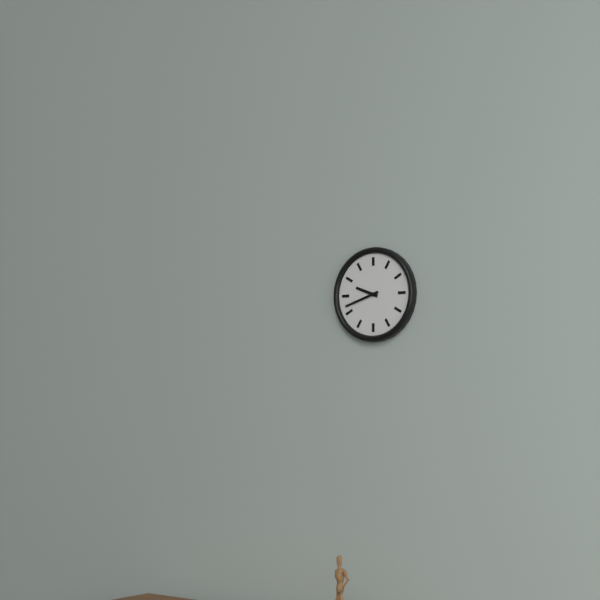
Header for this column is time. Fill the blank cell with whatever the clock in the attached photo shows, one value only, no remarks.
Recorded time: 9:42
